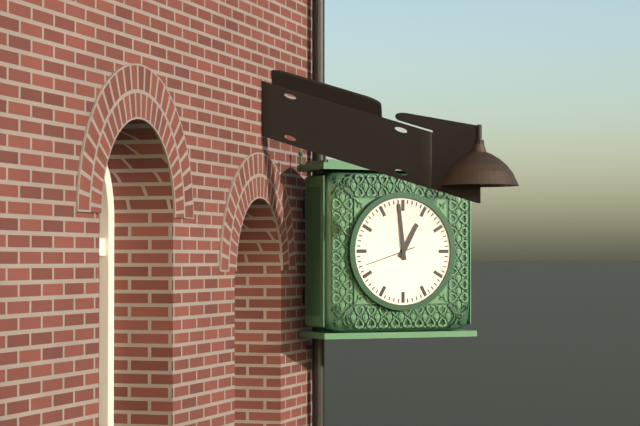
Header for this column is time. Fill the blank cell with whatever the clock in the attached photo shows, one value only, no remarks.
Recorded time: 12:59
